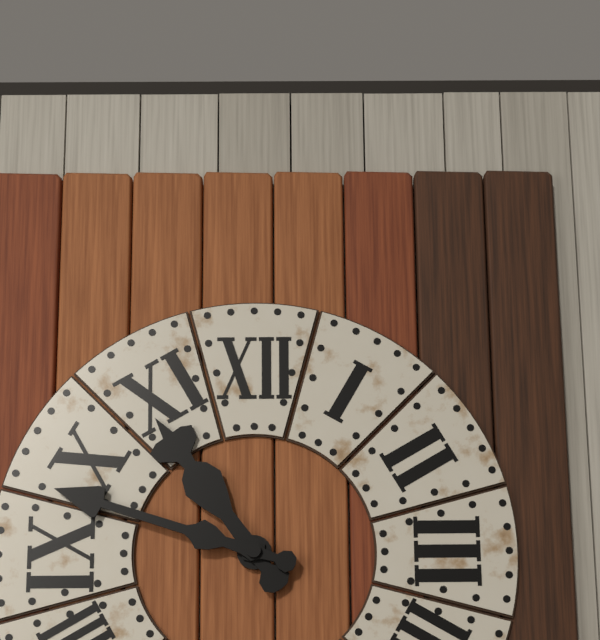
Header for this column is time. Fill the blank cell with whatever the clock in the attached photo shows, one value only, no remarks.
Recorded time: 10:48
